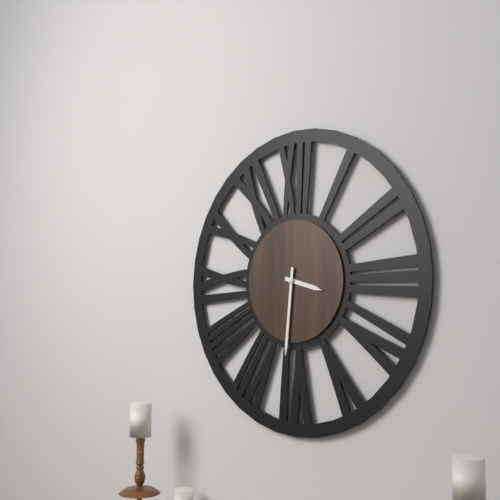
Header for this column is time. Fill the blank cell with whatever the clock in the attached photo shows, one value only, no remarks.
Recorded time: 3:31
